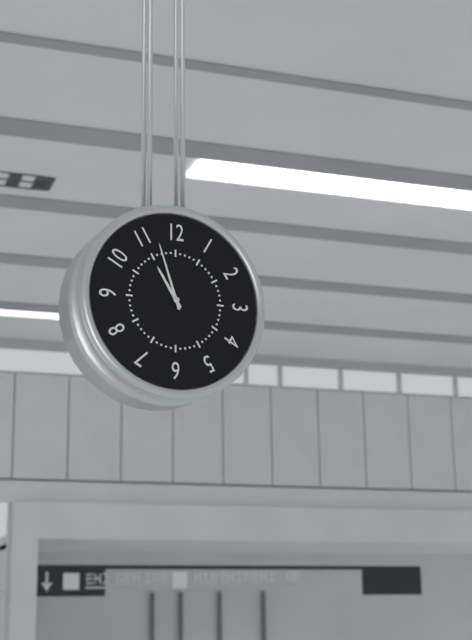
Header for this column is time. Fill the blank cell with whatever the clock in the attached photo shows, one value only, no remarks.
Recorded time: 10:57
